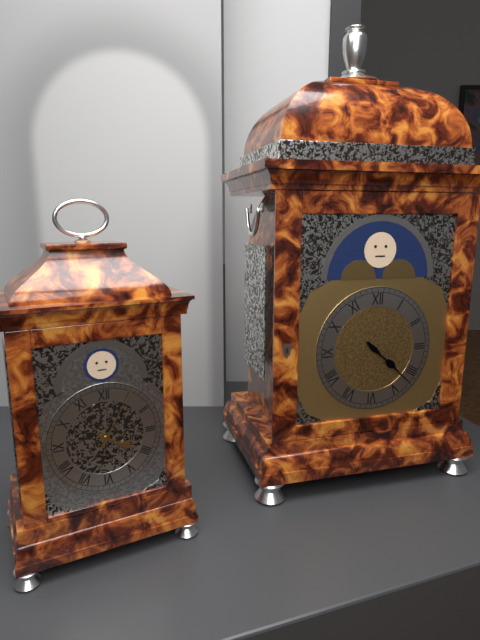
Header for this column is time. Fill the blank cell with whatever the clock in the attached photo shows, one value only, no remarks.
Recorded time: 4:22
